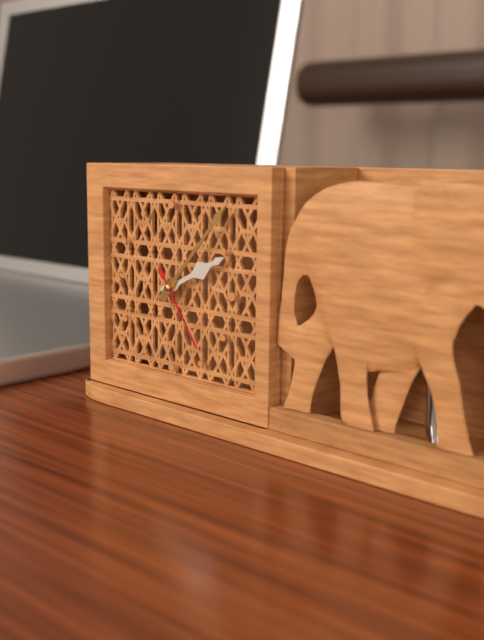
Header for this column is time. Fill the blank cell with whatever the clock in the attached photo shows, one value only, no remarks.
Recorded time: 2:07:24
